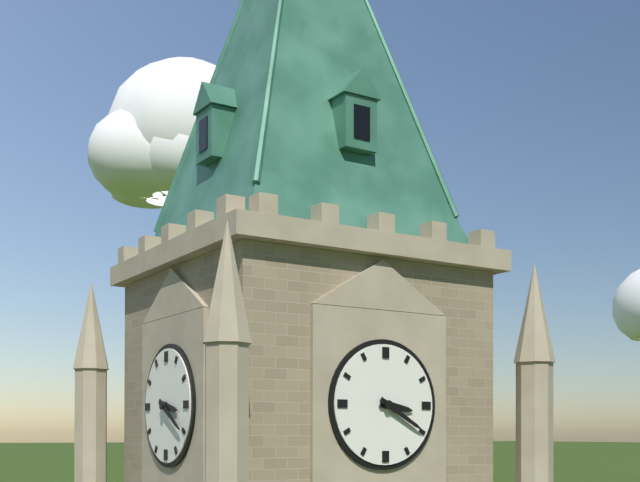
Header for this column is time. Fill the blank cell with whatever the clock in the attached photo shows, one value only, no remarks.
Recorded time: 3:20
